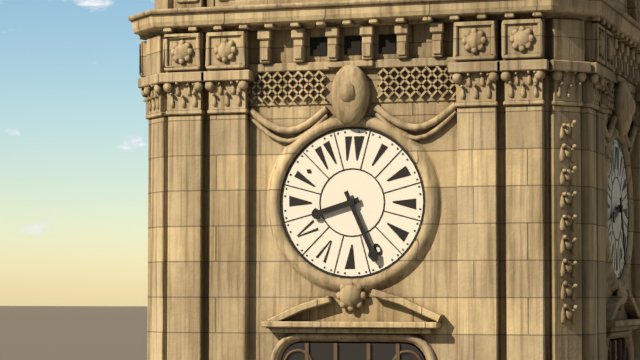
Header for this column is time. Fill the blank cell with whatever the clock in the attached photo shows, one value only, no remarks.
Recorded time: 8:26
